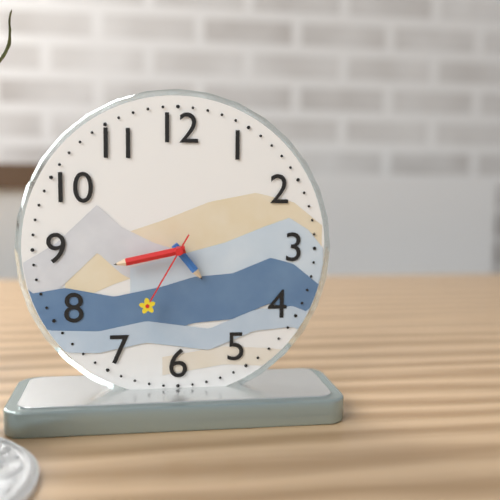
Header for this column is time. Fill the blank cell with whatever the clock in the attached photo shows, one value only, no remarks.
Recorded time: 4:43:35
